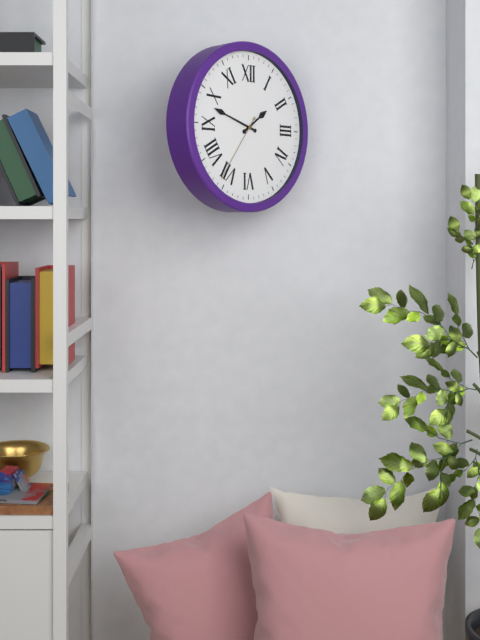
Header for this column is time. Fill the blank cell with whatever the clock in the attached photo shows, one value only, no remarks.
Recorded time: 1:48:36
